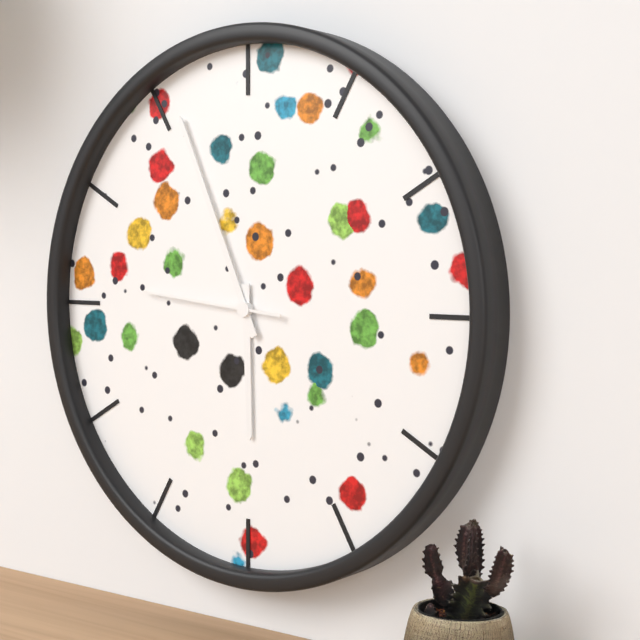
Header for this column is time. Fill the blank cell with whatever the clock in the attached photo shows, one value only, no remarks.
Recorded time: 5:56:46
